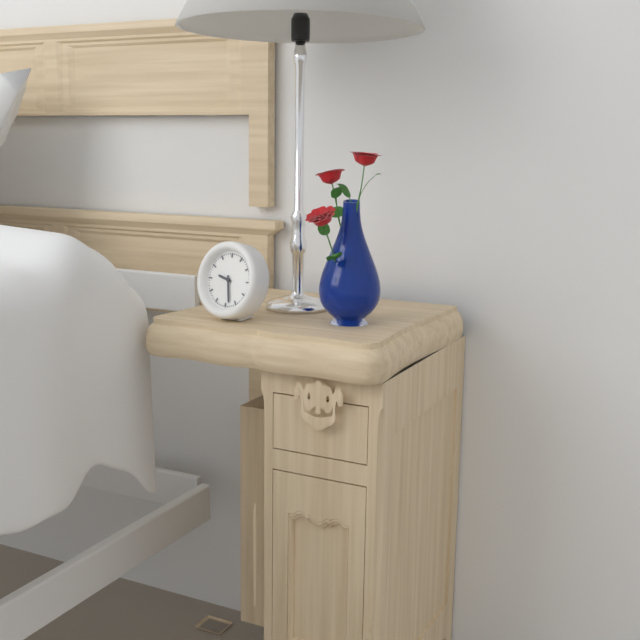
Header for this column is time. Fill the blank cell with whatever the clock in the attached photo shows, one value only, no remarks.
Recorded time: 9:28
